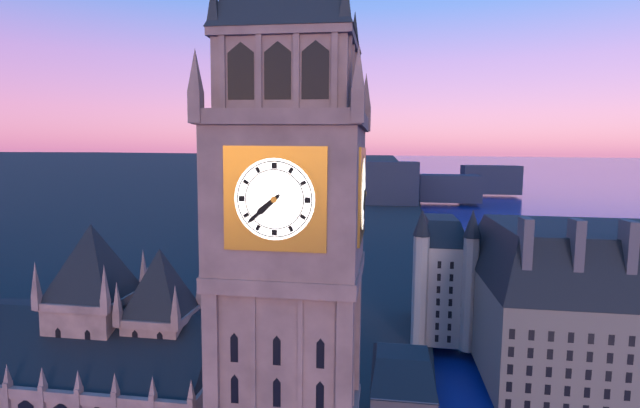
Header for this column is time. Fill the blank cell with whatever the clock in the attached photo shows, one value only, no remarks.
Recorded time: 7:38
